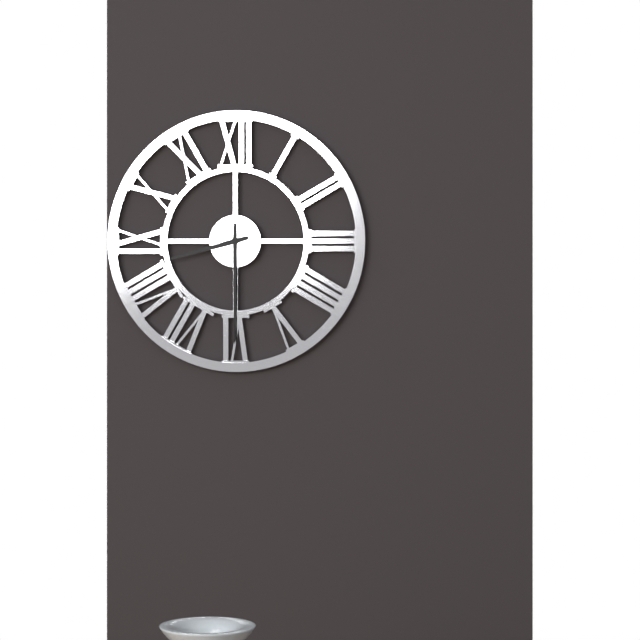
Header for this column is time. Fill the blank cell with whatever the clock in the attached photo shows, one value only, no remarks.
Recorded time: 8:30
